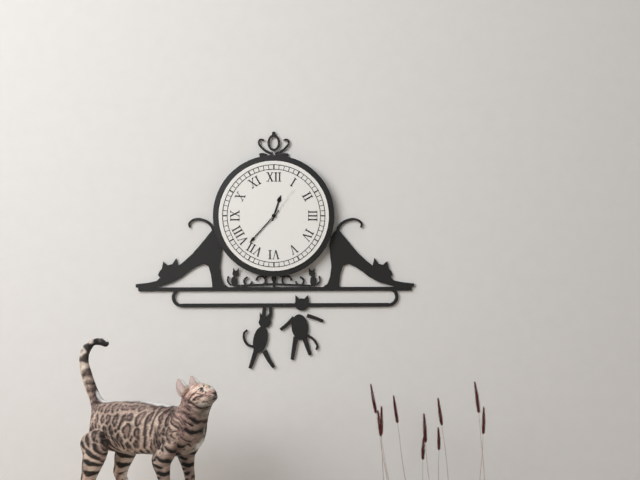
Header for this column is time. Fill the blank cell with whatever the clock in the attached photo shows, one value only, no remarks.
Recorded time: 12:37
